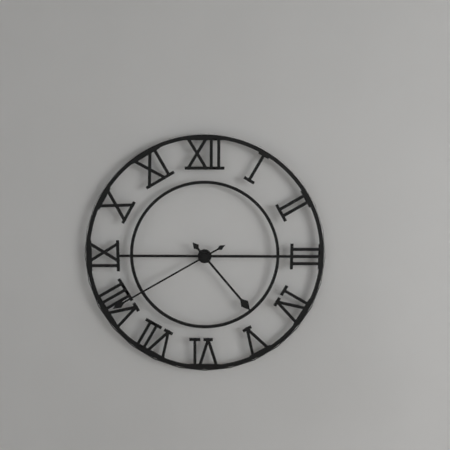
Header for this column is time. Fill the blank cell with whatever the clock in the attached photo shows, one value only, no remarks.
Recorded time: 4:40
